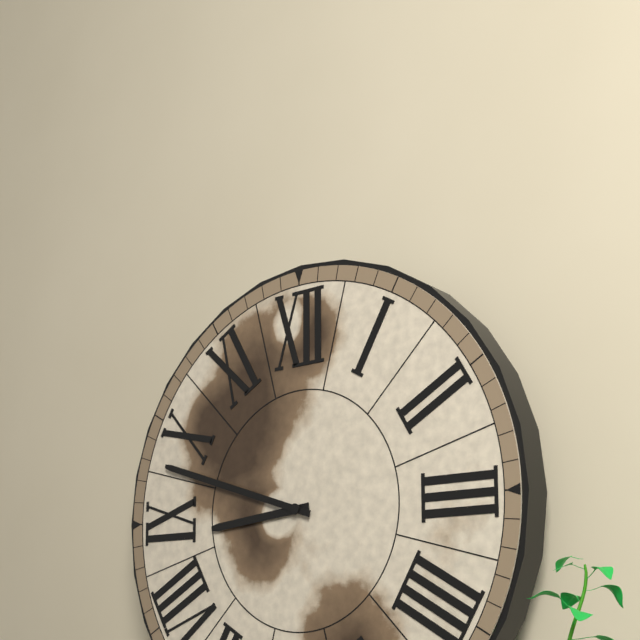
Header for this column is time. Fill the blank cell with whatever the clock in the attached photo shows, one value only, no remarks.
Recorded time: 8:48
